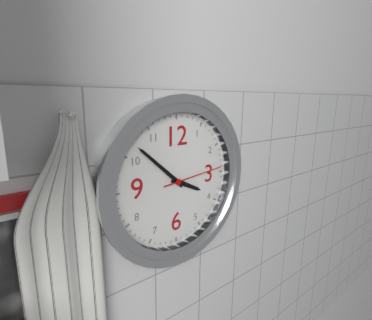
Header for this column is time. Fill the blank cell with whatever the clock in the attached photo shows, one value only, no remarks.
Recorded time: 3:52:14
